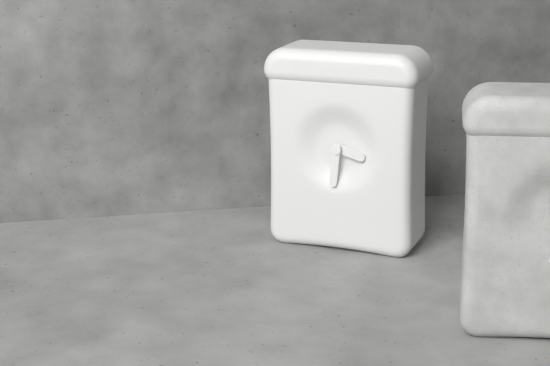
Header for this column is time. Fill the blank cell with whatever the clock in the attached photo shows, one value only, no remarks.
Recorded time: 3:31
